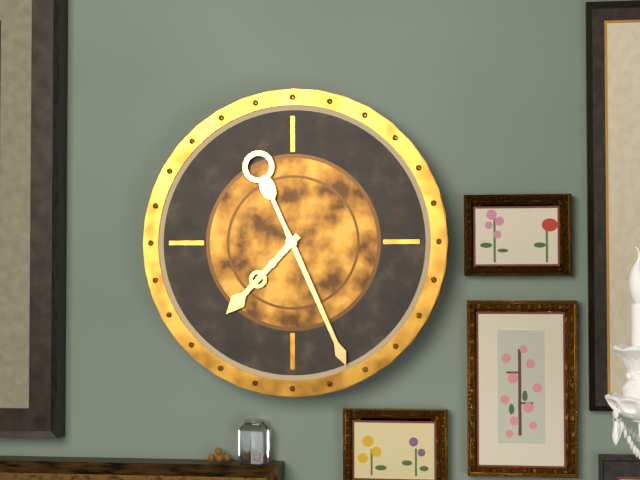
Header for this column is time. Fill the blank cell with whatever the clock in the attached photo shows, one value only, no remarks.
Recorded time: 7:26
